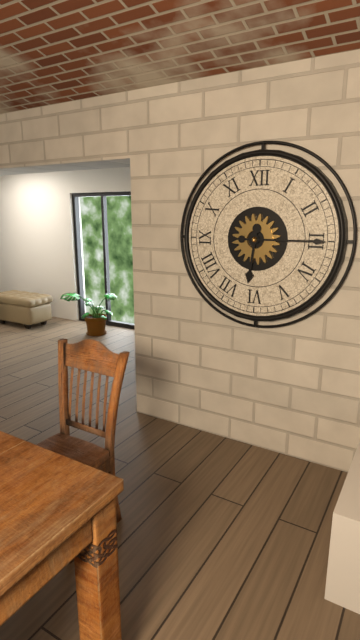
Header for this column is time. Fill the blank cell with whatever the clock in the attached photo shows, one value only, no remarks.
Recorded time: 6:15
